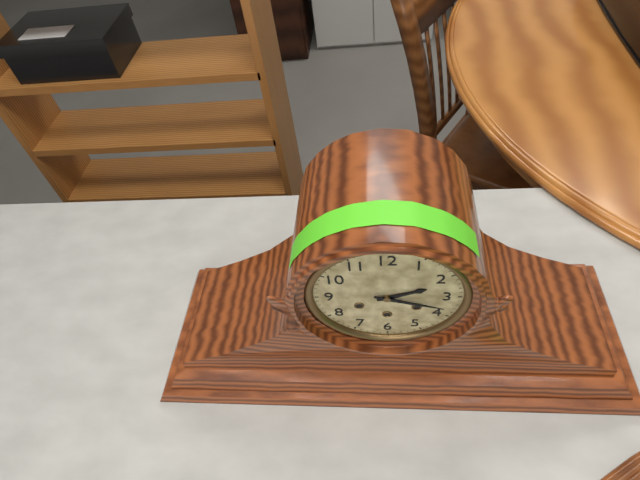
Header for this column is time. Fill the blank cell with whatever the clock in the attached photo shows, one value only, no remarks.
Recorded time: 2:18
